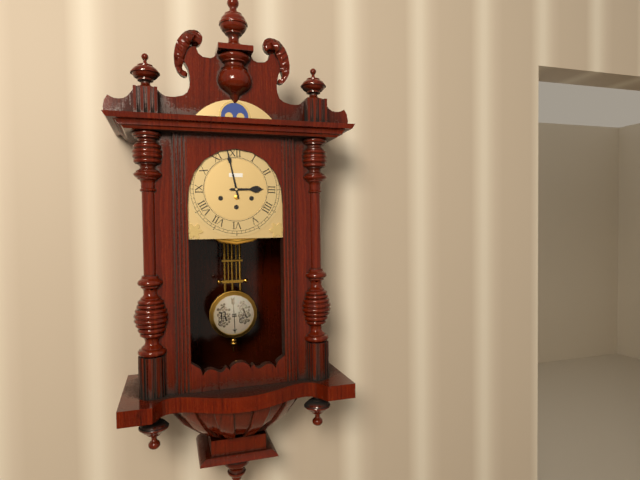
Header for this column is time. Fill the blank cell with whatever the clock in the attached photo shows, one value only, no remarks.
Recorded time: 2:58
